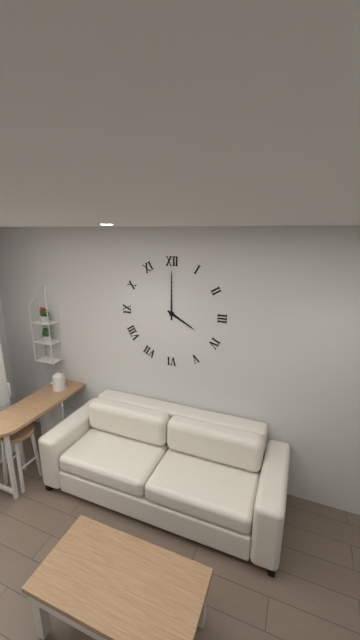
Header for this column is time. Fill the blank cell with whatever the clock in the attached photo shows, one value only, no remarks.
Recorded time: 4:00
